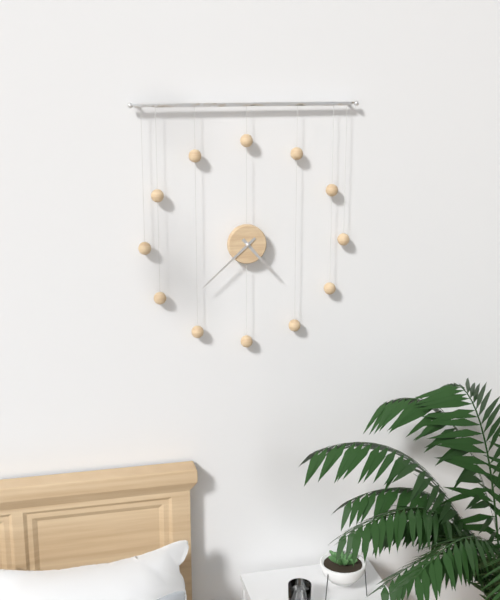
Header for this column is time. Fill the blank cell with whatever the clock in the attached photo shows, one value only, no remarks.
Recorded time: 4:38
